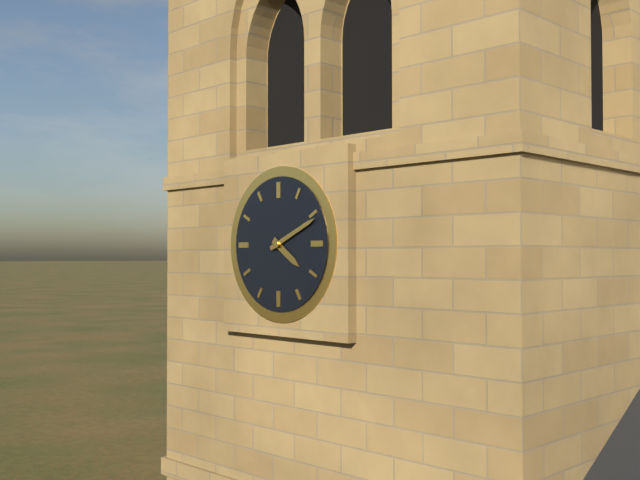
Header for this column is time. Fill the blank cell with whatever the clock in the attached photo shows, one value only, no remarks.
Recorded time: 4:11
